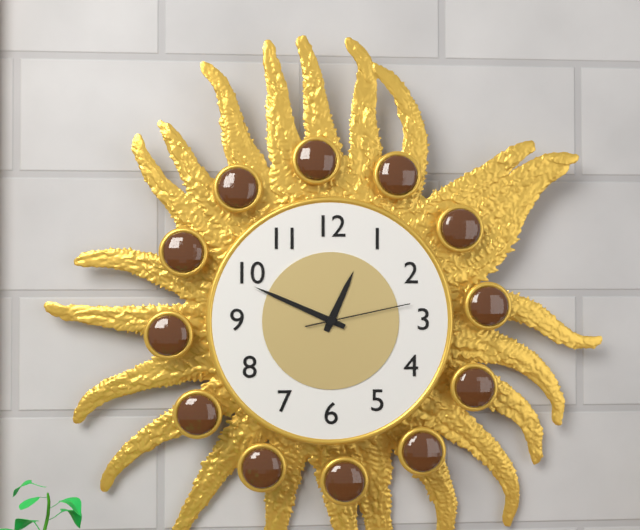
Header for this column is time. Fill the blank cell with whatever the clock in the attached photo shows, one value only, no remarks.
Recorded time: 12:49:13
